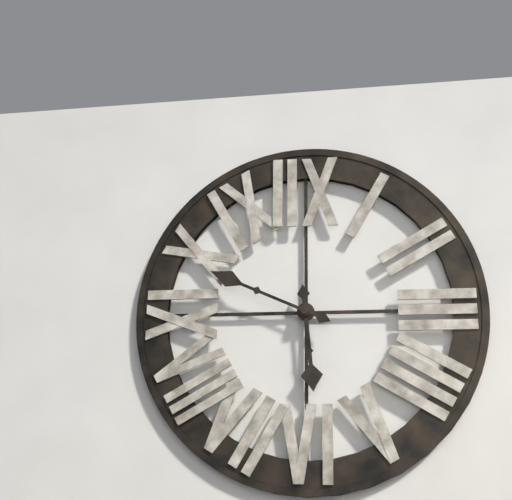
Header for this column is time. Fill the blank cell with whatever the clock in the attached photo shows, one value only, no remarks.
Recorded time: 5:49
